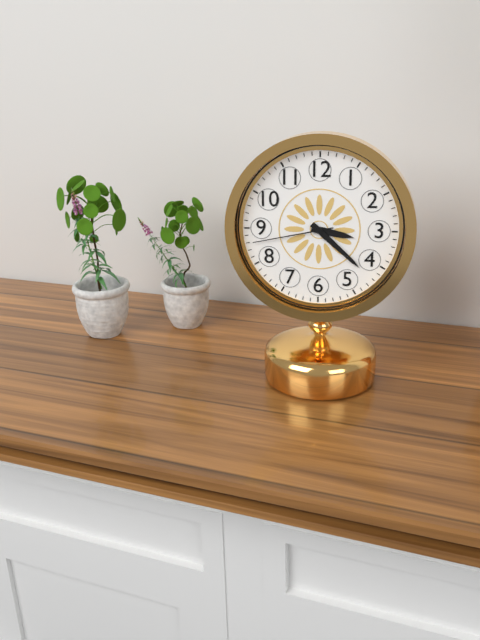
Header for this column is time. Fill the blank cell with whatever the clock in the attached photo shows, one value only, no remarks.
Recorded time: 3:22:43
